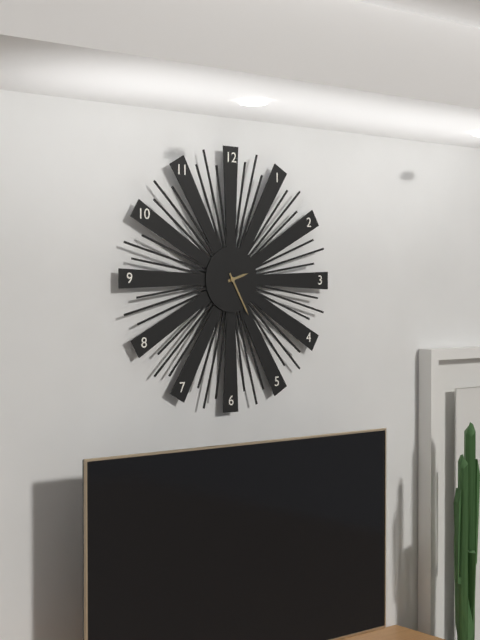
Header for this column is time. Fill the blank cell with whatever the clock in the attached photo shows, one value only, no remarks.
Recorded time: 2:25
